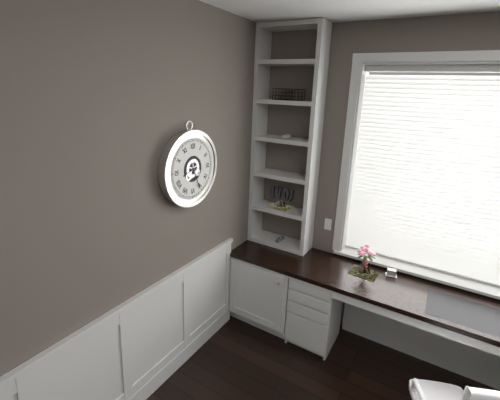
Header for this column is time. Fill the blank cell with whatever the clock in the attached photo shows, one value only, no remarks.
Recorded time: 8:26
